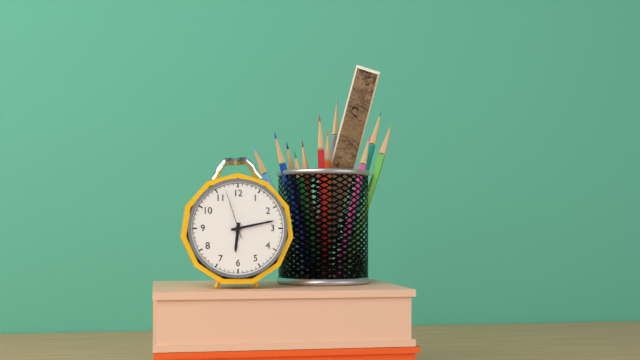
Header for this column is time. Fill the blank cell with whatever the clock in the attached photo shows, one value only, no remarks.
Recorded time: 6:13:57
